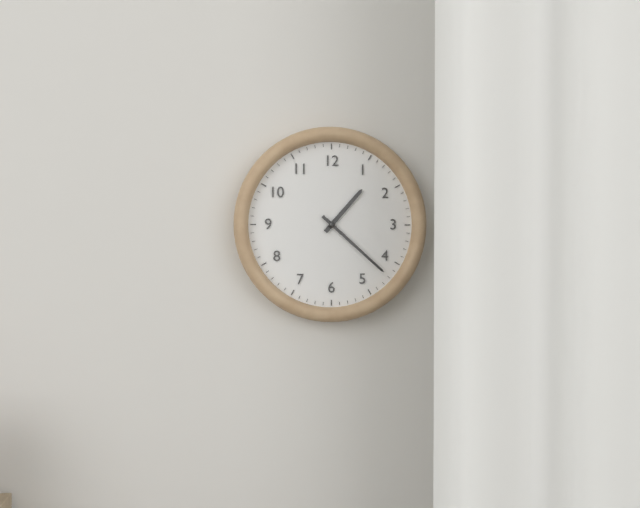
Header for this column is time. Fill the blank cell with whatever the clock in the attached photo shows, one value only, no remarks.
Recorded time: 1:22
